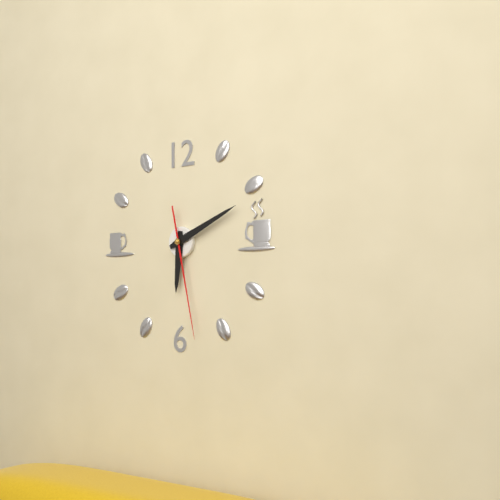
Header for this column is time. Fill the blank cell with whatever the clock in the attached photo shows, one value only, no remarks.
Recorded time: 6:11:28
